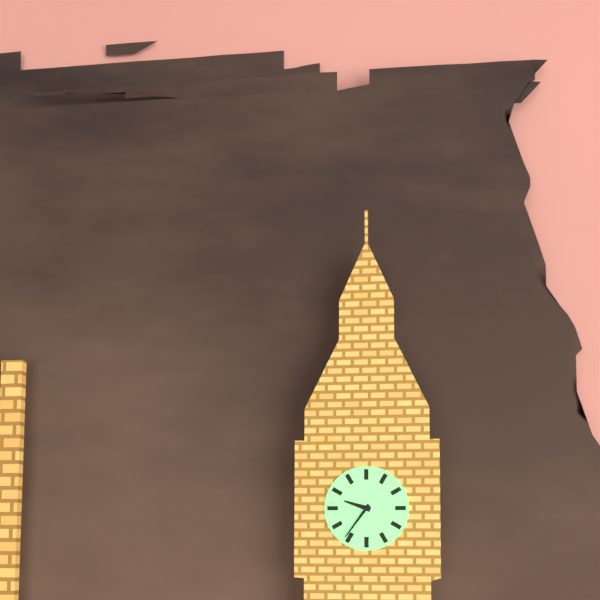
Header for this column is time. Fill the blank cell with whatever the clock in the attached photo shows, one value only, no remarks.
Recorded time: 9:36
